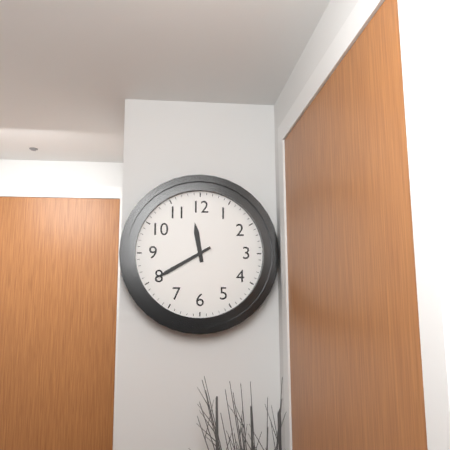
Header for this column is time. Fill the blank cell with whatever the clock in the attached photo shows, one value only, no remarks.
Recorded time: 11:40
